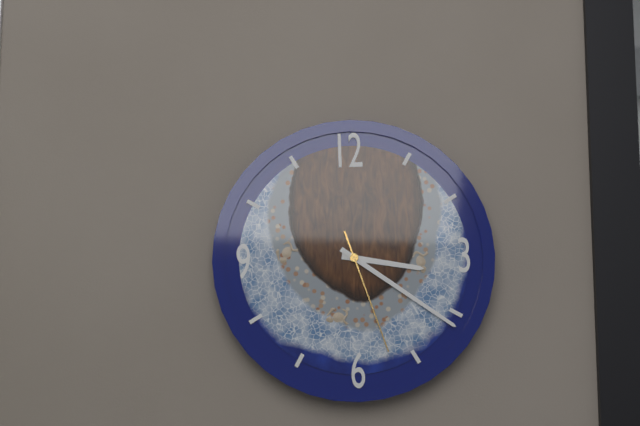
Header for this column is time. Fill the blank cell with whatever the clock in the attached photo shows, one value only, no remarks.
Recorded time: 3:21:27
